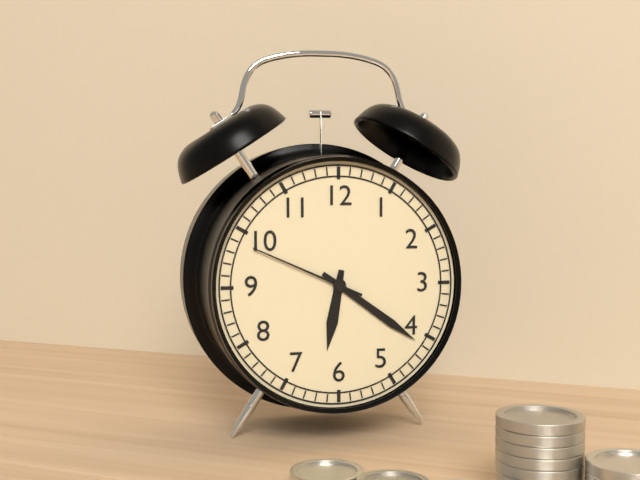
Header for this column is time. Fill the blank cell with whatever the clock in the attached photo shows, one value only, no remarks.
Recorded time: 6:21:49
